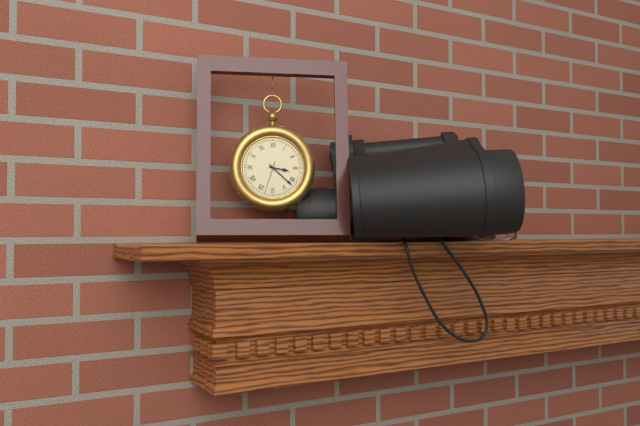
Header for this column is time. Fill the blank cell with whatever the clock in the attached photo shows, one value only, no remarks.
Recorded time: 3:22
